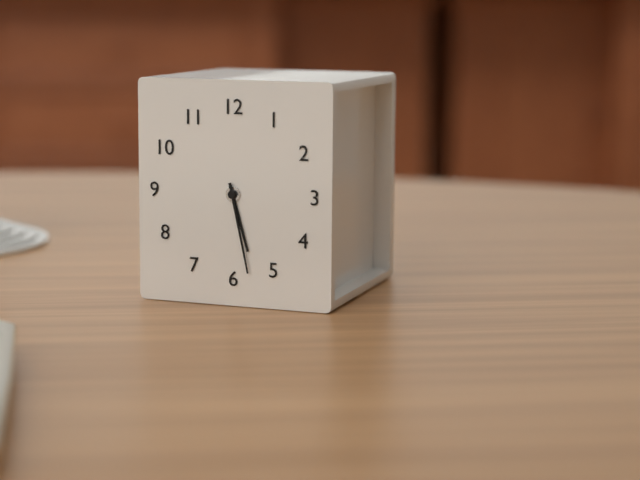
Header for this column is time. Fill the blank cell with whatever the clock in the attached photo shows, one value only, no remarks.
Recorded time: 5:28
